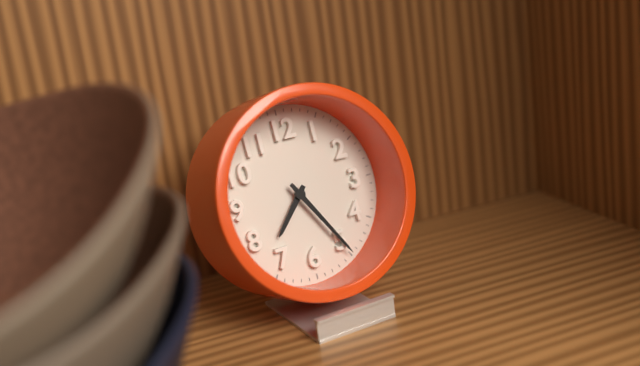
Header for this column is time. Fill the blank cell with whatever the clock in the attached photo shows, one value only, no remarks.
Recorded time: 7:25
